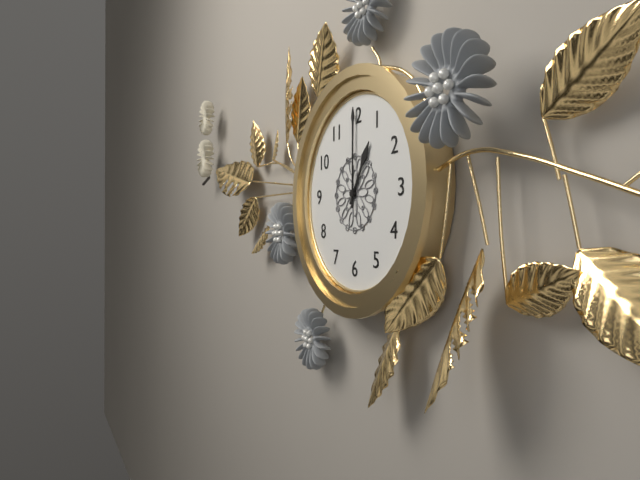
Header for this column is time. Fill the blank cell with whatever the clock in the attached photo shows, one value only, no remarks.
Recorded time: 1:00
